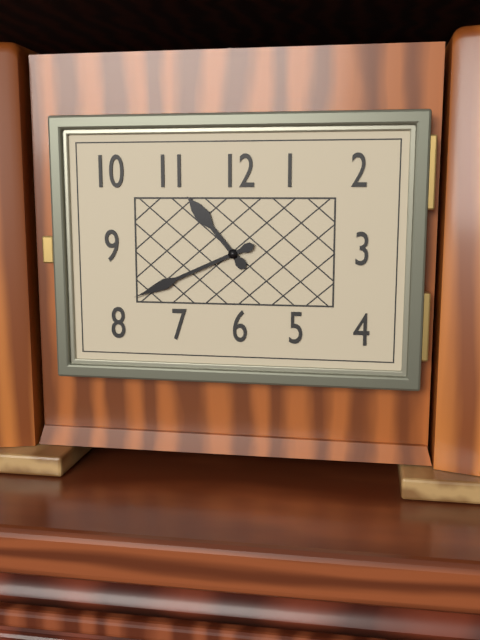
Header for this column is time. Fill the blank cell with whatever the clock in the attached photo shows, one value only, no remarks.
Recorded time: 10:41
